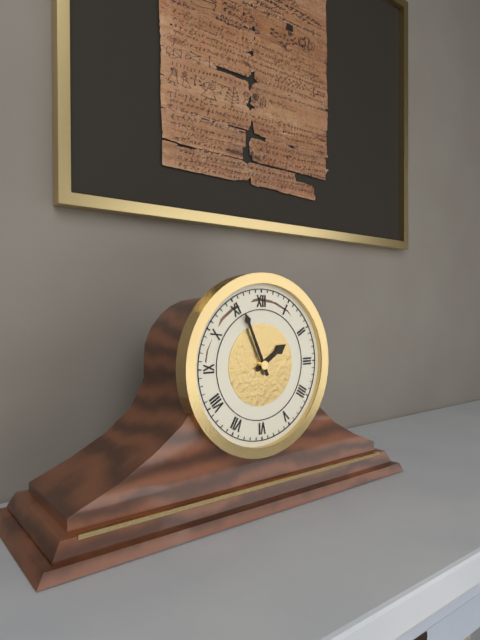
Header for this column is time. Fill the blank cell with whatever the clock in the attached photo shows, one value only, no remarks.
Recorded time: 1:56
